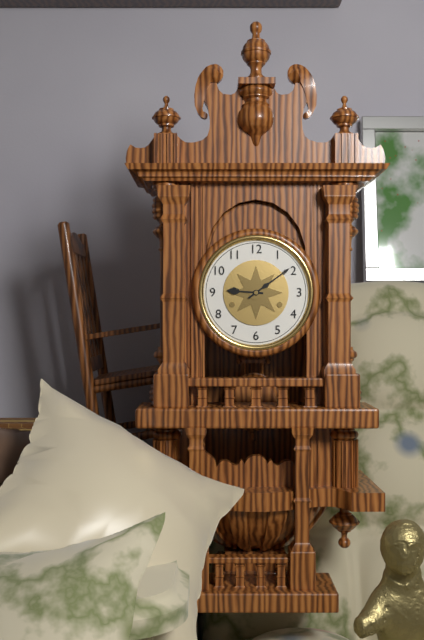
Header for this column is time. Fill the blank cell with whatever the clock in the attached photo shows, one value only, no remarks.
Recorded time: 9:09
